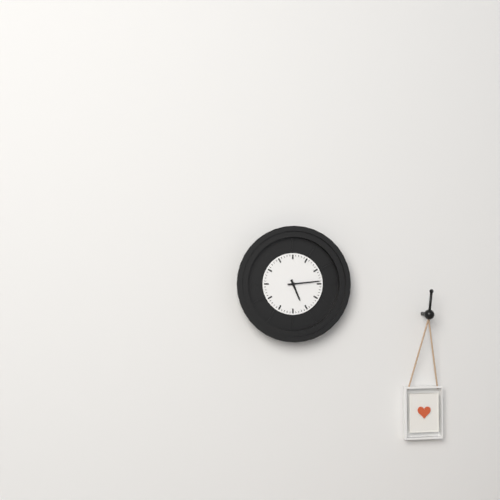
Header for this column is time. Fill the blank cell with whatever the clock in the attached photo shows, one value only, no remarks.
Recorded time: 5:14
